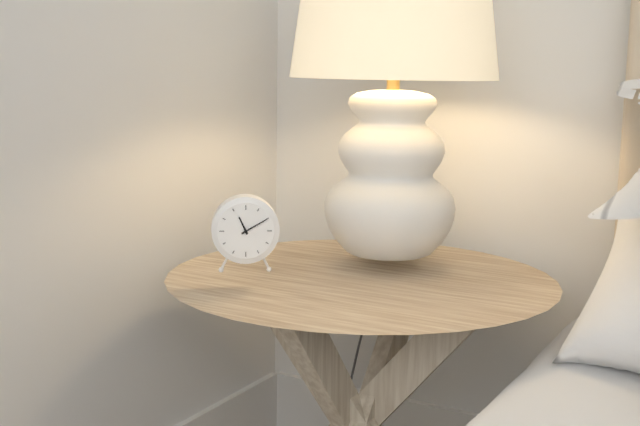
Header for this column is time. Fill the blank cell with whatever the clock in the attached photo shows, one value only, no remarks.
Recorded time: 11:10
